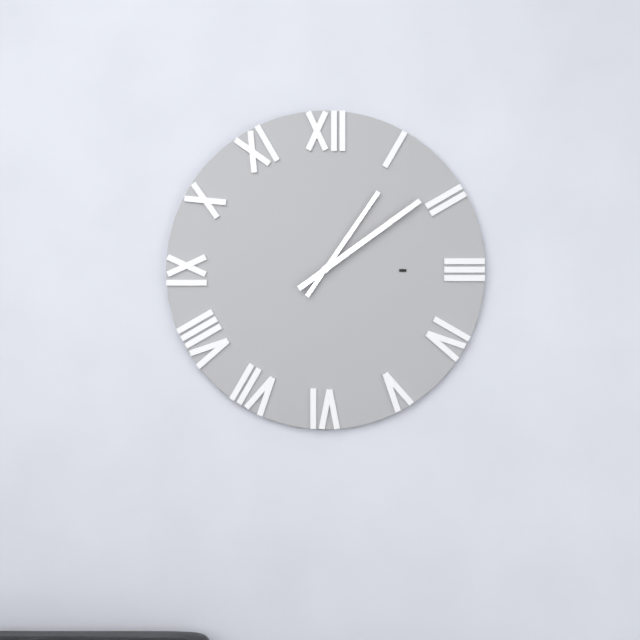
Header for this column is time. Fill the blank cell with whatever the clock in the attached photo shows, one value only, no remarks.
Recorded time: 1:09
